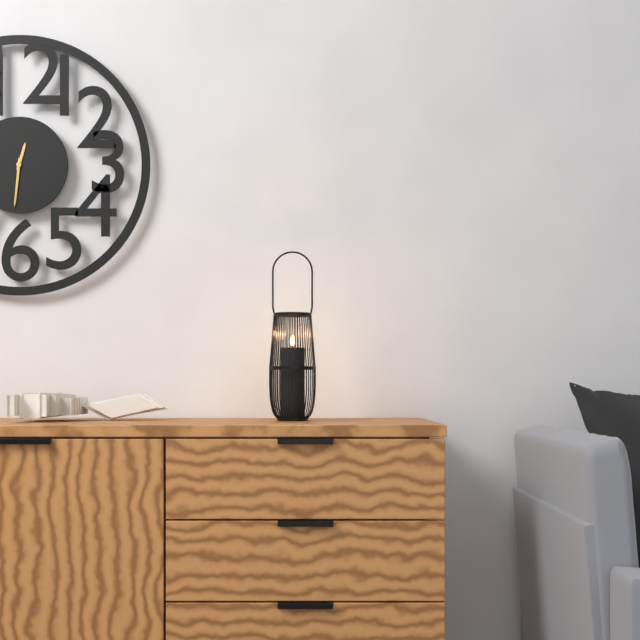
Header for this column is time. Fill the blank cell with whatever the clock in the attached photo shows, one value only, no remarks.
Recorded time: 12:31
